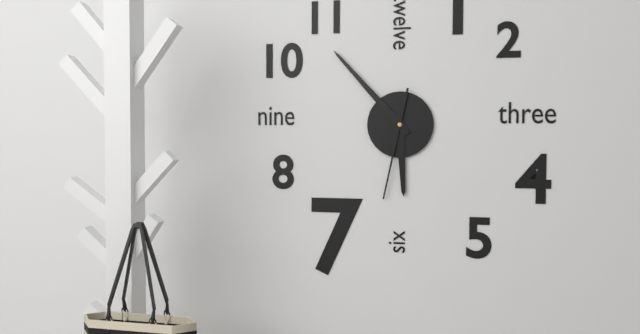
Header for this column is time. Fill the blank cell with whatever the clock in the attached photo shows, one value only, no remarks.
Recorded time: 5:53:32
